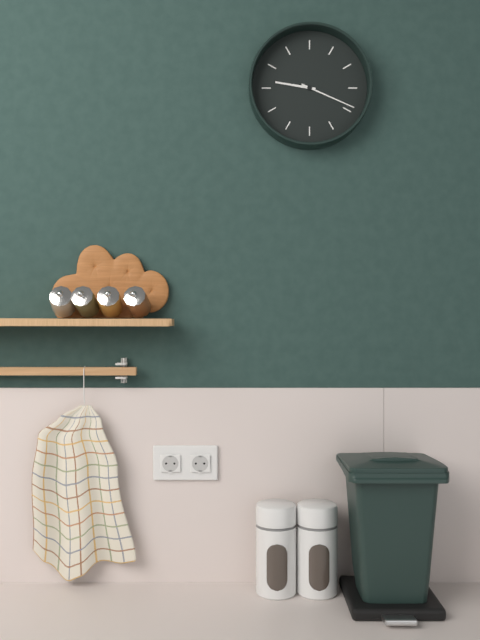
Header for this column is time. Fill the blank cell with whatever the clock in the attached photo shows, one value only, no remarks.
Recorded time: 9:19
